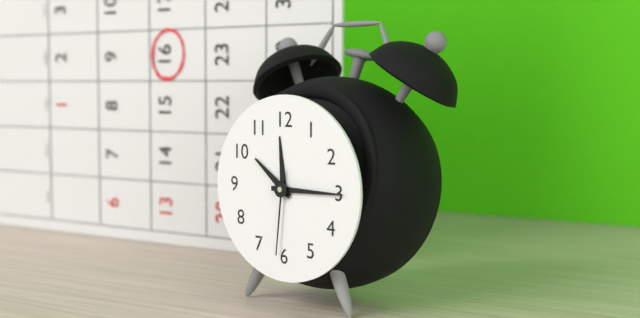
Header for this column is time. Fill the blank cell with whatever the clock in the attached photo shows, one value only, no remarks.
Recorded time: 10:15:31
